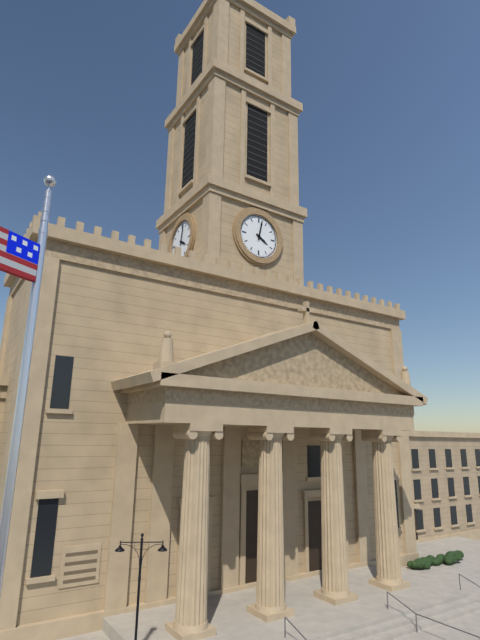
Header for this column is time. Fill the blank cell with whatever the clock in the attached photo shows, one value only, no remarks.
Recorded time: 4:02
